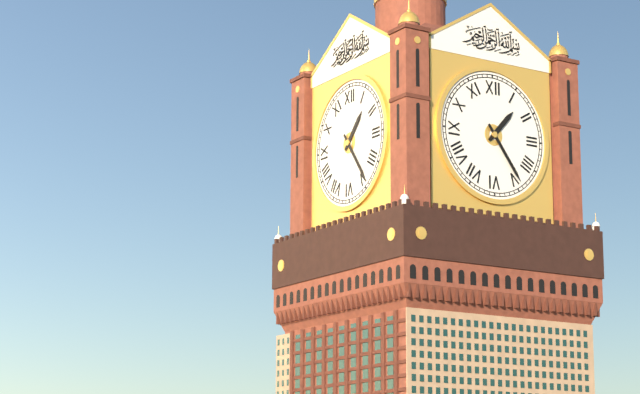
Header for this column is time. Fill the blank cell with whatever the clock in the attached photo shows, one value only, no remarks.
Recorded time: 1:24
